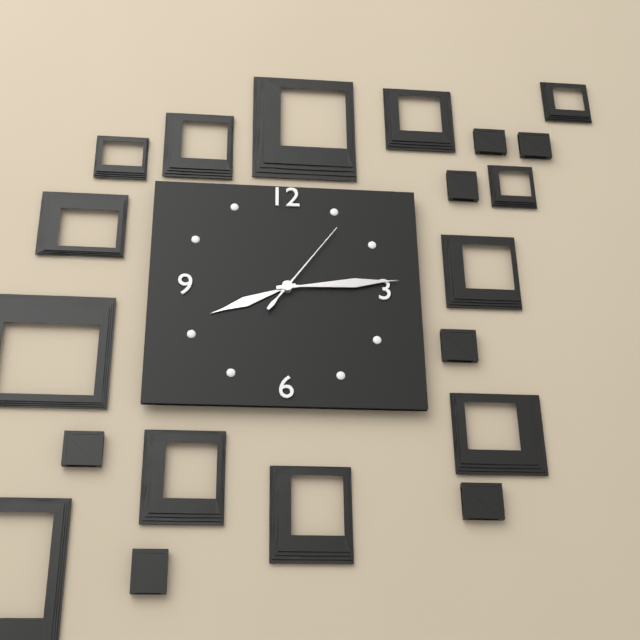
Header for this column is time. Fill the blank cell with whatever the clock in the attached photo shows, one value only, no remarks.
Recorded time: 8:14:06
